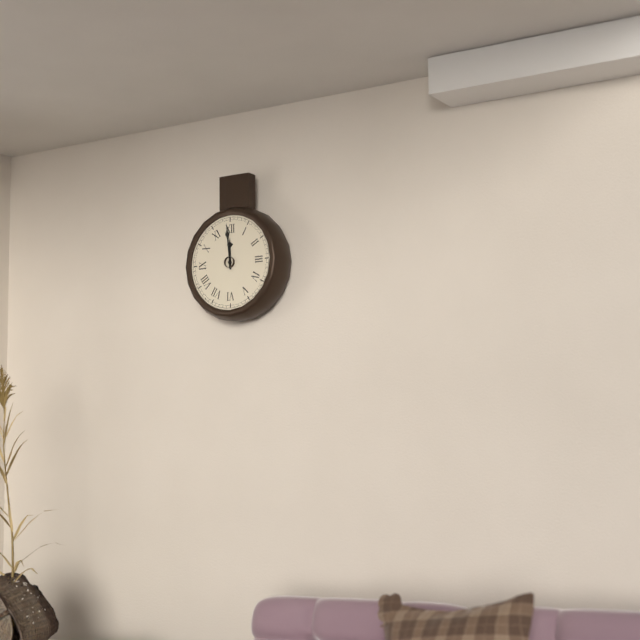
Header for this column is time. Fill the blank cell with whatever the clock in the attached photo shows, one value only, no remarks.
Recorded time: 11:59
